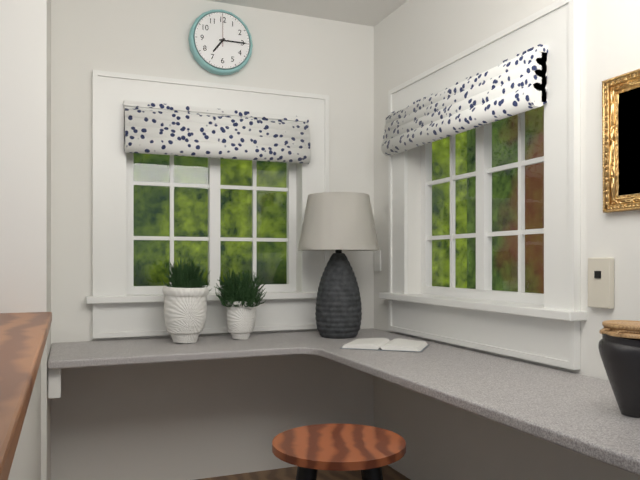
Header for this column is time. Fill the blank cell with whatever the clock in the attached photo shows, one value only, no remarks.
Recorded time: 7:15
